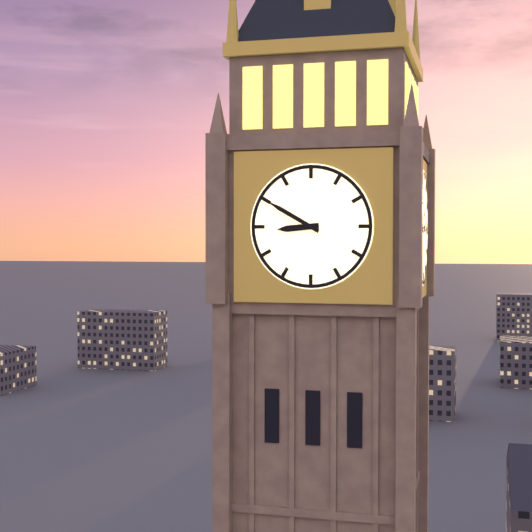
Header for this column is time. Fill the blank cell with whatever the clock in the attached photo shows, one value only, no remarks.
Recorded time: 8:50
